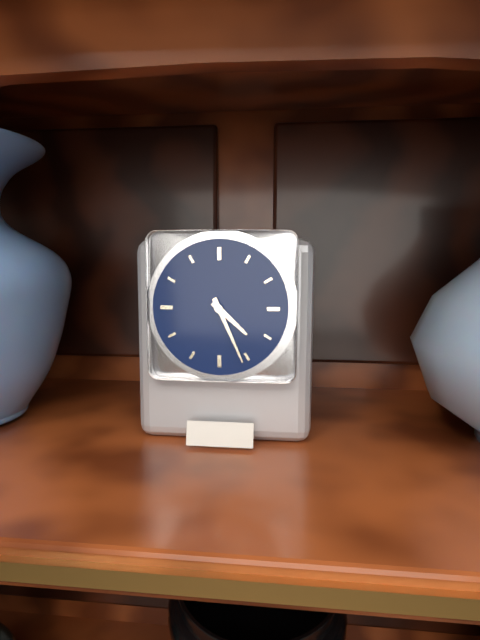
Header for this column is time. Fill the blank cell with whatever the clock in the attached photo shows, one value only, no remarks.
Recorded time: 4:26
